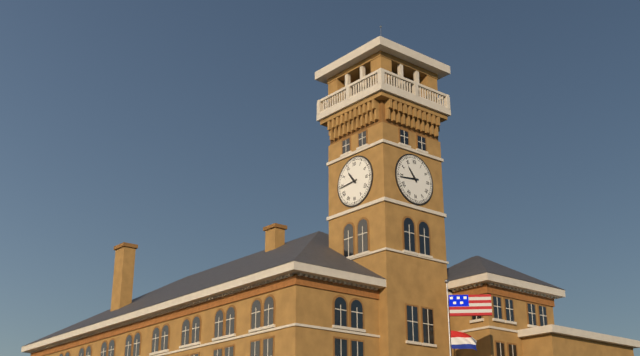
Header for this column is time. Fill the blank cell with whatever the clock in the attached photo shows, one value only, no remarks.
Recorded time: 10:44
